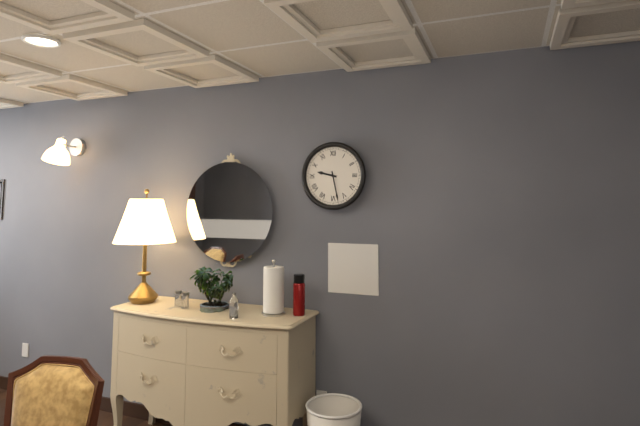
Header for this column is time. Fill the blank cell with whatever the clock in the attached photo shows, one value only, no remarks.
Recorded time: 9:28
